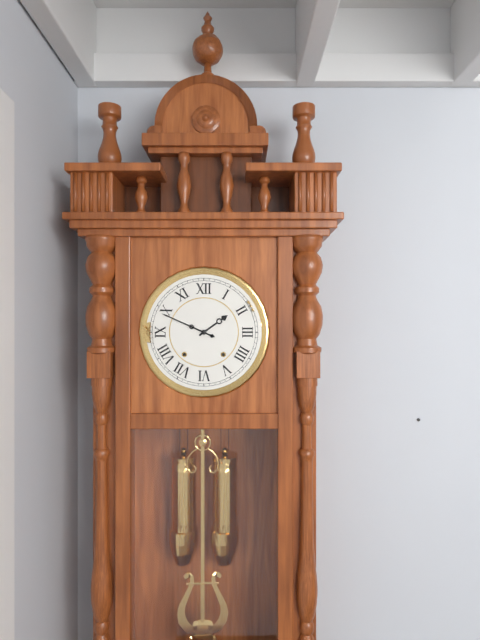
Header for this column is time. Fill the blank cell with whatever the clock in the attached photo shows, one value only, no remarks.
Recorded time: 1:49
